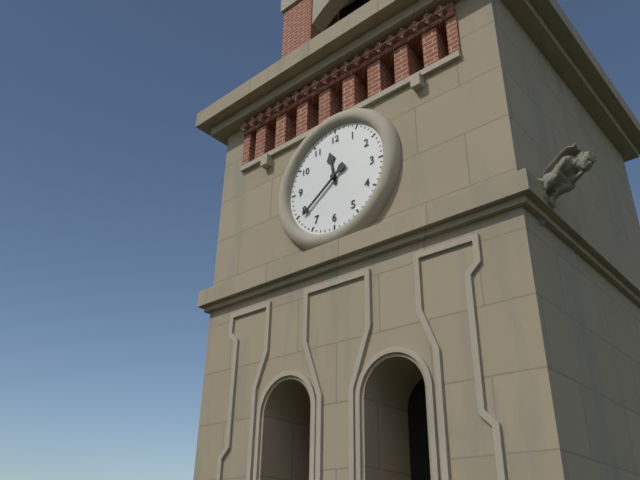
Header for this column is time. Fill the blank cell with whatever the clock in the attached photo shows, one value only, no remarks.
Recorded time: 11:39
